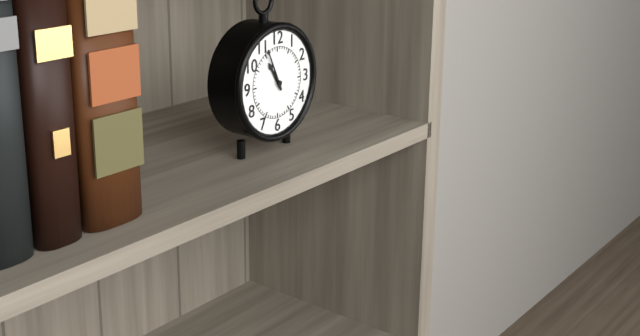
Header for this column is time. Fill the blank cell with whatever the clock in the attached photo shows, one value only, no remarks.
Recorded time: 10:56
